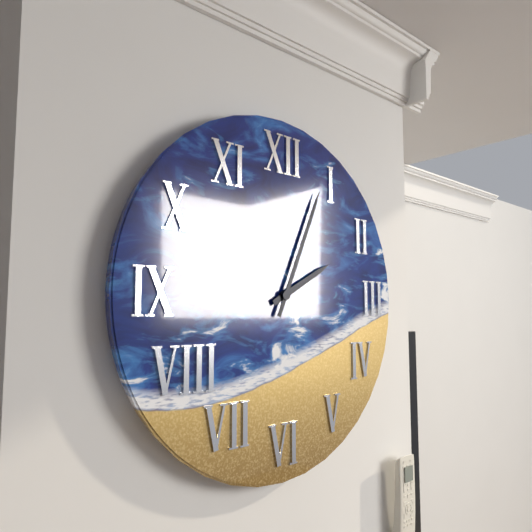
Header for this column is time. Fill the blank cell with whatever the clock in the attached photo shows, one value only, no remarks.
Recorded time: 2:04
